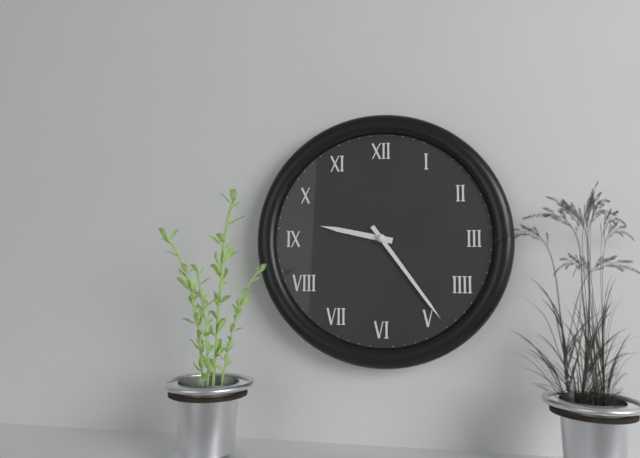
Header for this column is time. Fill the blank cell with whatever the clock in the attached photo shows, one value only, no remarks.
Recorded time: 9:24
